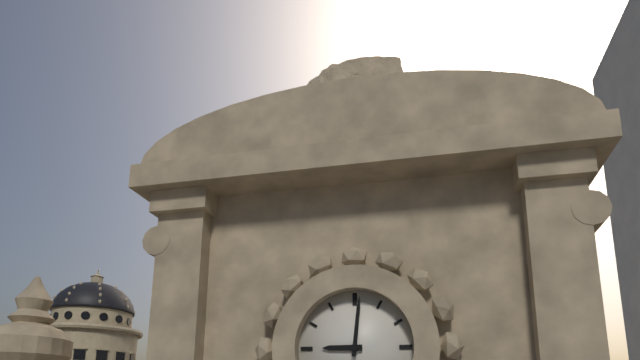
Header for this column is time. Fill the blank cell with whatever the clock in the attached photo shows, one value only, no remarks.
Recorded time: 9:01
